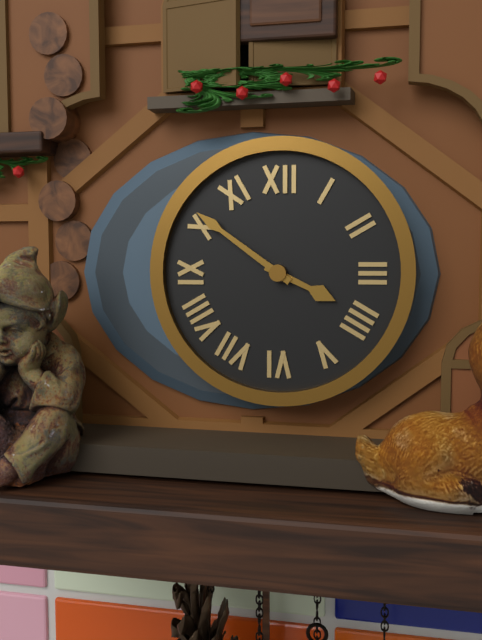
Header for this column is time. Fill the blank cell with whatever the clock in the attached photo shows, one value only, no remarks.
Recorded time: 3:51
